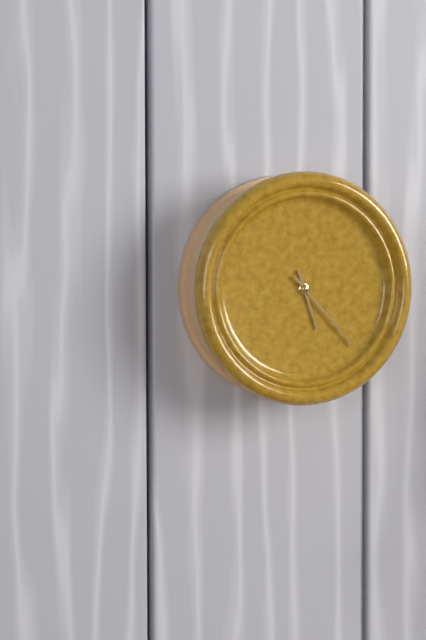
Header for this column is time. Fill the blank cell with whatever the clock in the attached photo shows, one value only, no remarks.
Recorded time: 5:23
